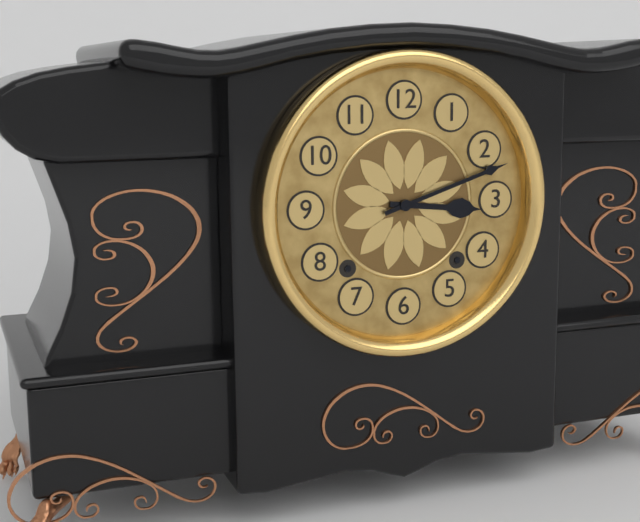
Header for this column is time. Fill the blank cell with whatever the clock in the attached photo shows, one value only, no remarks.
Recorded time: 3:12
